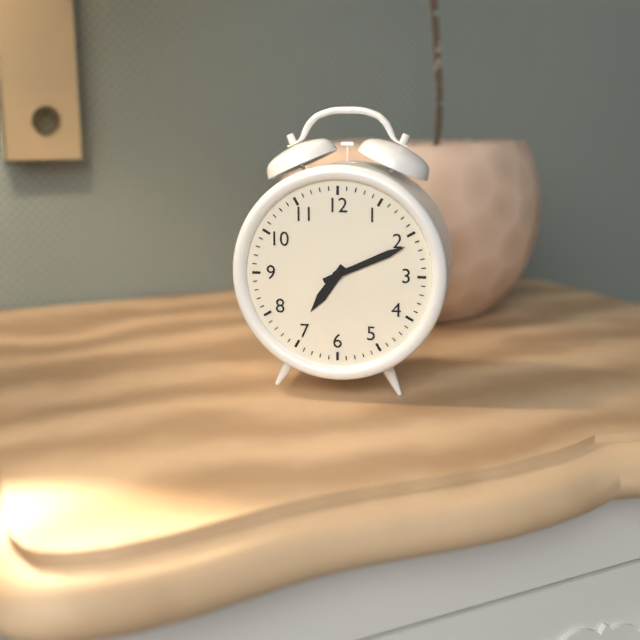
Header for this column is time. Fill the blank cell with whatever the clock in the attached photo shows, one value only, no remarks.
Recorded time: 7:11
